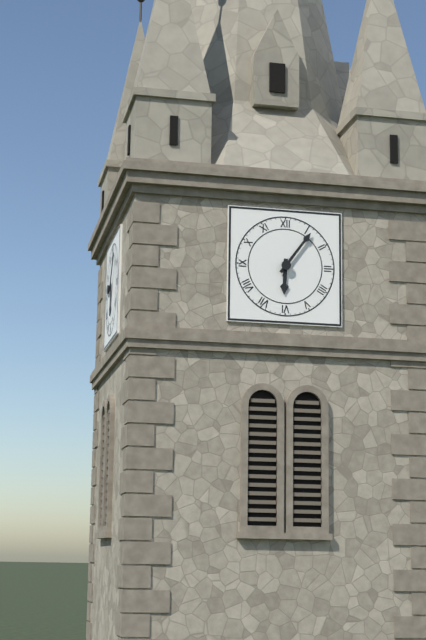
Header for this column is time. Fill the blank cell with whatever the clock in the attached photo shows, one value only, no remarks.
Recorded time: 6:06
